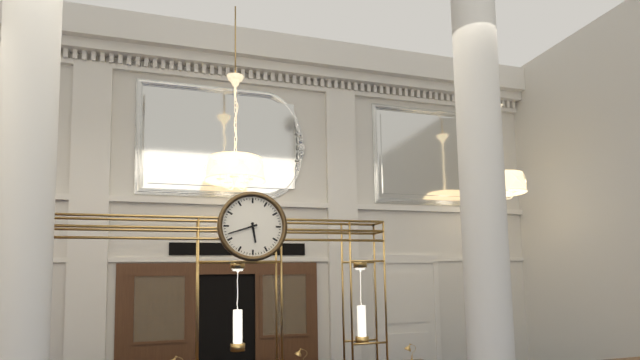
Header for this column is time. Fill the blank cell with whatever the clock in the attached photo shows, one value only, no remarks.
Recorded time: 5:42
